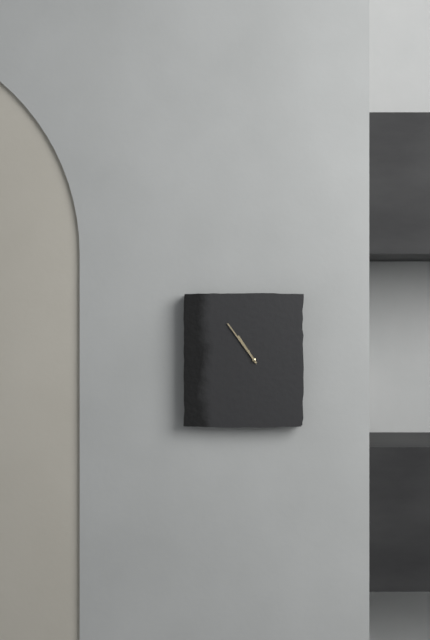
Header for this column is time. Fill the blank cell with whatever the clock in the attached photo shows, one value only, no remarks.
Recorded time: 10:54
